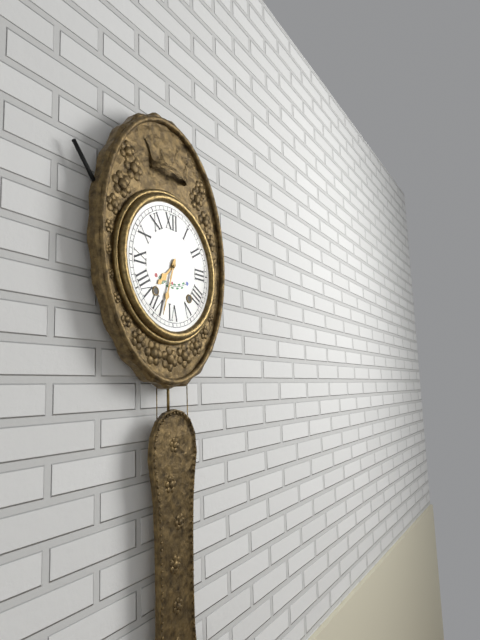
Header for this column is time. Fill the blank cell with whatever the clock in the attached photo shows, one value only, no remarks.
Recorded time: 7:33
